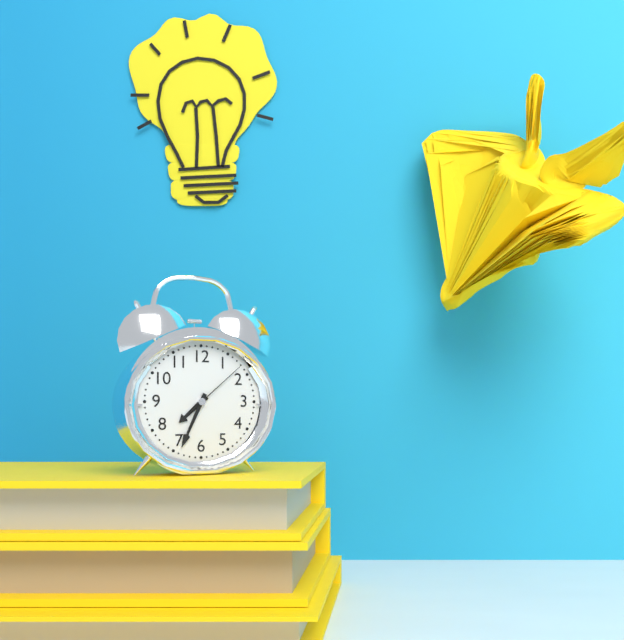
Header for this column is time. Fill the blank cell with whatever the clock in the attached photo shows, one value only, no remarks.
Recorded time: 7:34:08
